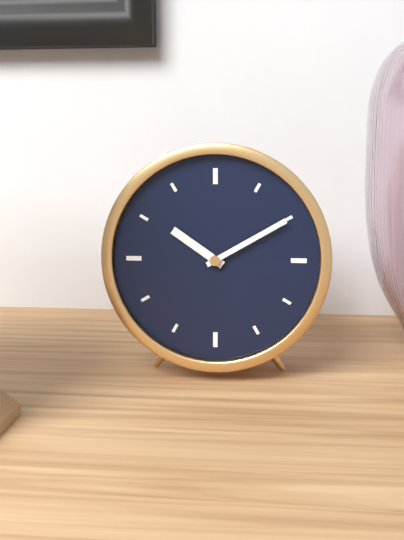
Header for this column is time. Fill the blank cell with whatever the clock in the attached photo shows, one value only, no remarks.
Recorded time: 10:10
